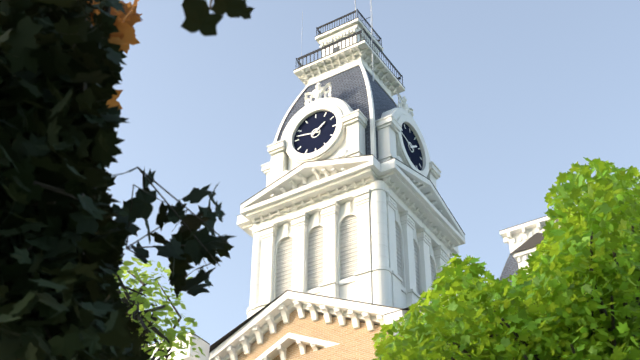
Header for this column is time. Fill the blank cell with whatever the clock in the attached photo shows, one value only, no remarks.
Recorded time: 1:47
